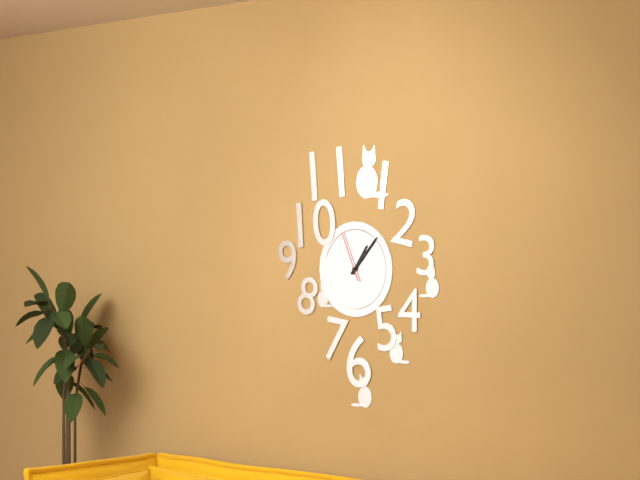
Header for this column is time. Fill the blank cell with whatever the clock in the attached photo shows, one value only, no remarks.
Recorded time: 1:07
